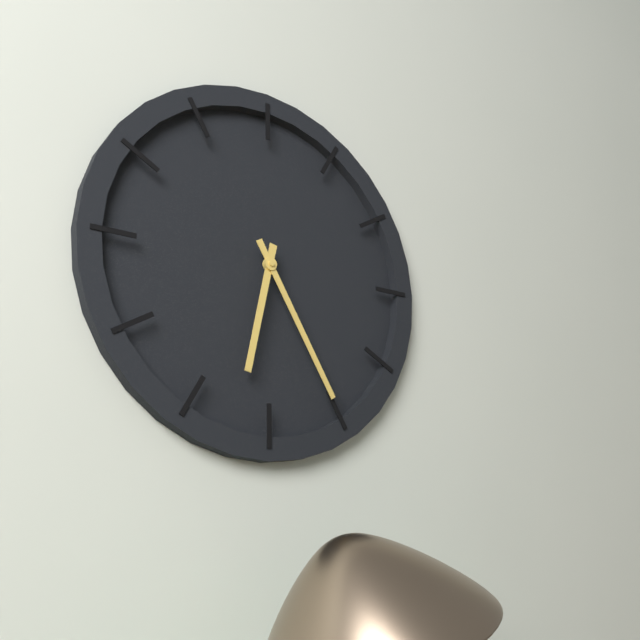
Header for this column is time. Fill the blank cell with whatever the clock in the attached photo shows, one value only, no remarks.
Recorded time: 6:25
